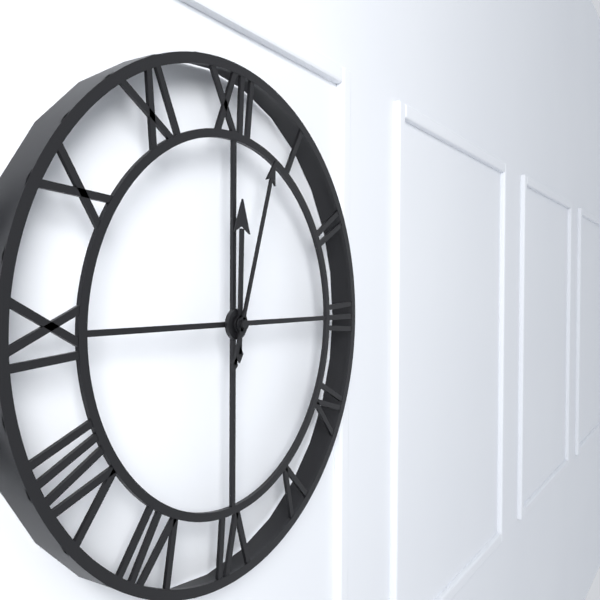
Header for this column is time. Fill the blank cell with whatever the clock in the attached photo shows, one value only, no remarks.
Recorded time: 12:03
